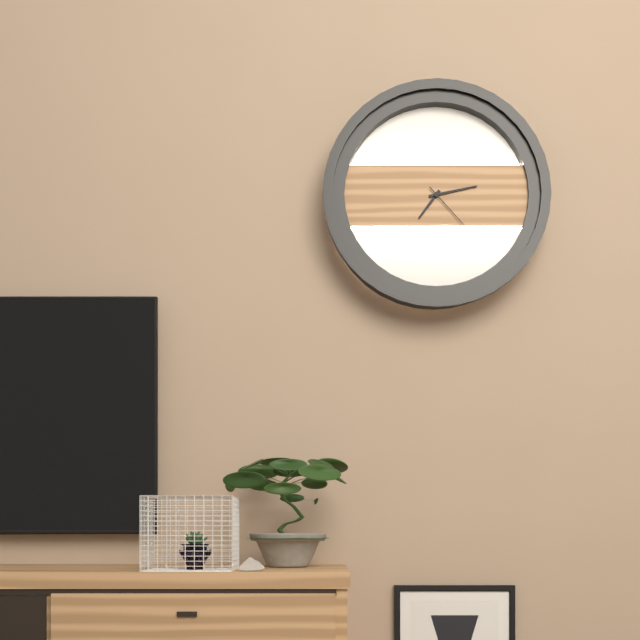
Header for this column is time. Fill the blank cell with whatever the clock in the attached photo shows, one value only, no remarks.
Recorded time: 7:13:23
